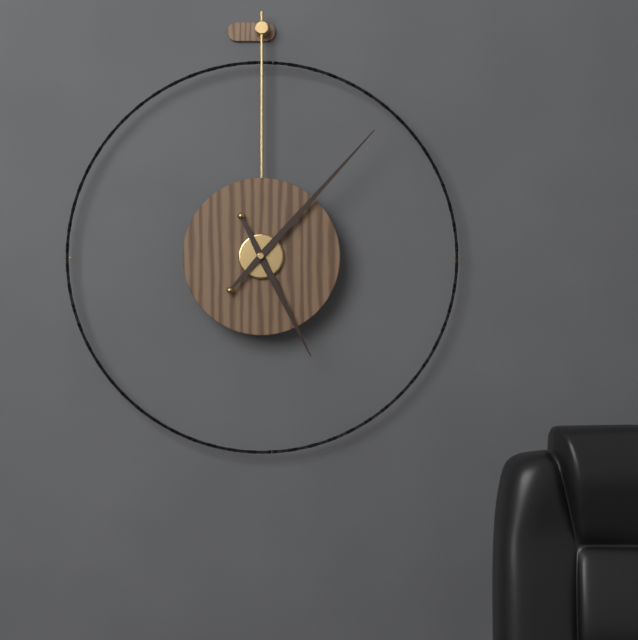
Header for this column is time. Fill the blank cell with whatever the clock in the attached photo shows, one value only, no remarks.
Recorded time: 5:07
